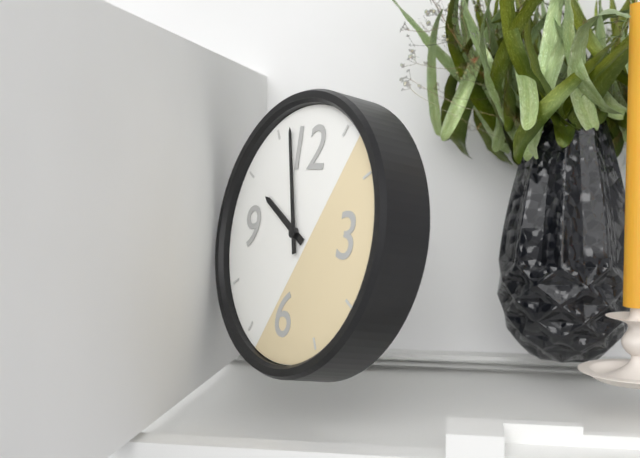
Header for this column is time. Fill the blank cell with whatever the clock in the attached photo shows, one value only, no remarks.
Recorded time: 9:57
